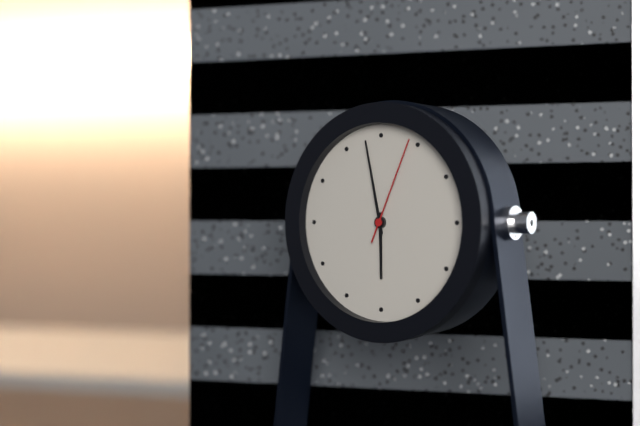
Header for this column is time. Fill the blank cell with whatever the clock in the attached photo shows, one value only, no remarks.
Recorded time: 5:58:04
